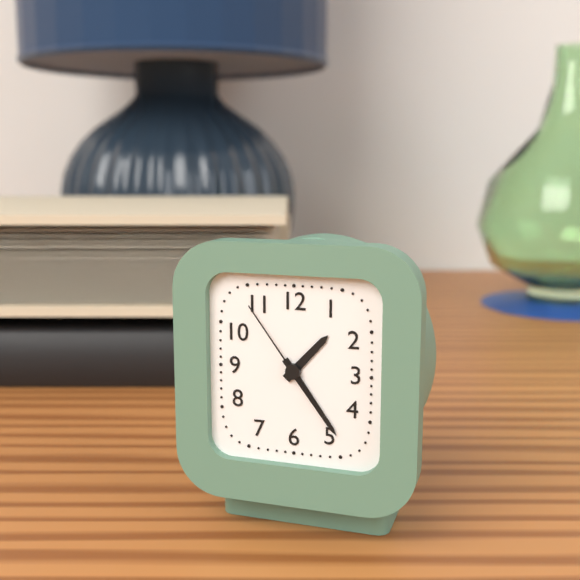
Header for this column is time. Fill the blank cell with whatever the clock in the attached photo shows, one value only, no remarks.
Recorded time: 1:24:54
